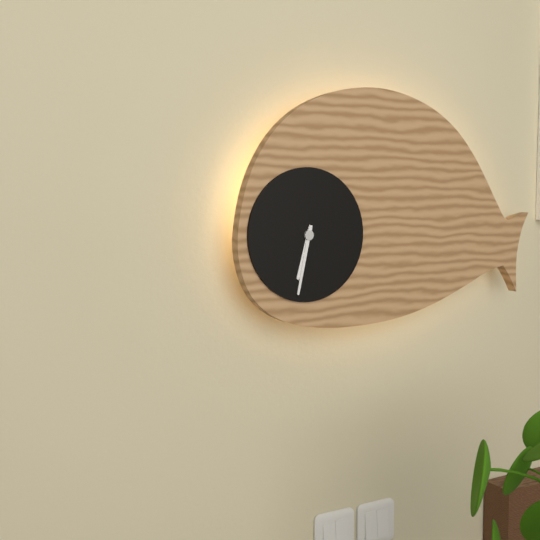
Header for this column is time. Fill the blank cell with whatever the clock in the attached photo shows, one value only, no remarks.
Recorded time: 6:32
